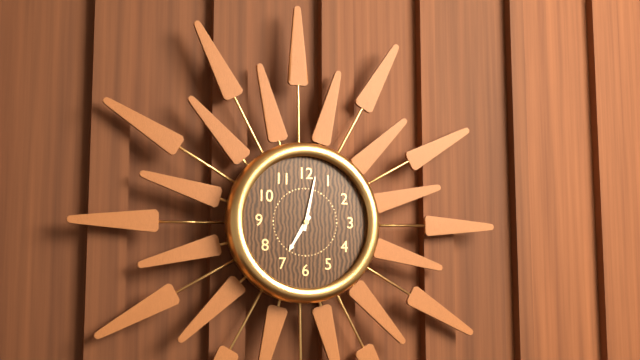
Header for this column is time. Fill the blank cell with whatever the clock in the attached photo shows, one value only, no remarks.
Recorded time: 7:02
